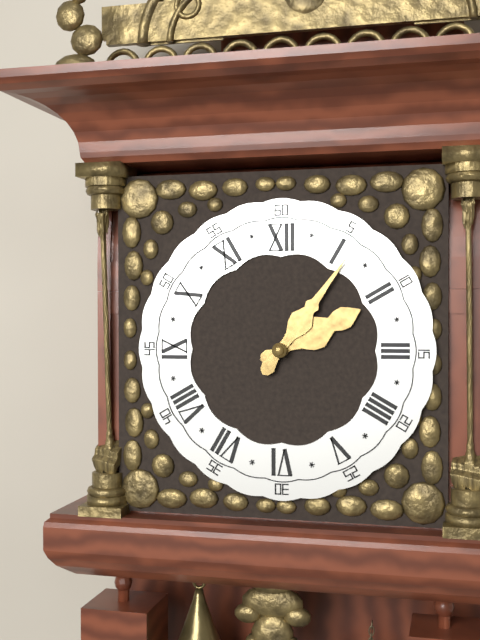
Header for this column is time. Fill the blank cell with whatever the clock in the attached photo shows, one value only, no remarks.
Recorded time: 2:06
